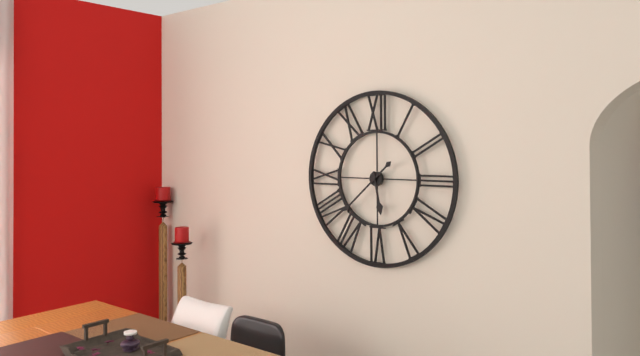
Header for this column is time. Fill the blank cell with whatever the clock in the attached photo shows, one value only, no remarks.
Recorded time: 5:38
